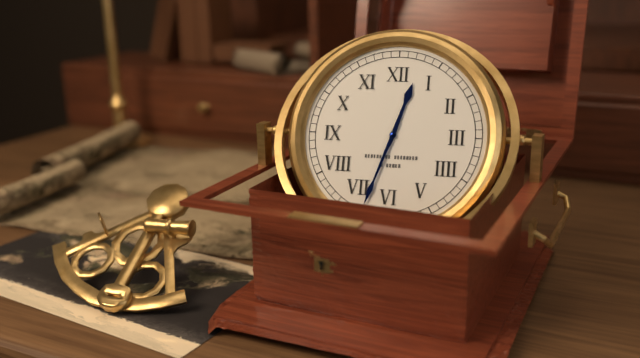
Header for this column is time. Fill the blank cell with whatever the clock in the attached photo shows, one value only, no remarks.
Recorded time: 12:33
